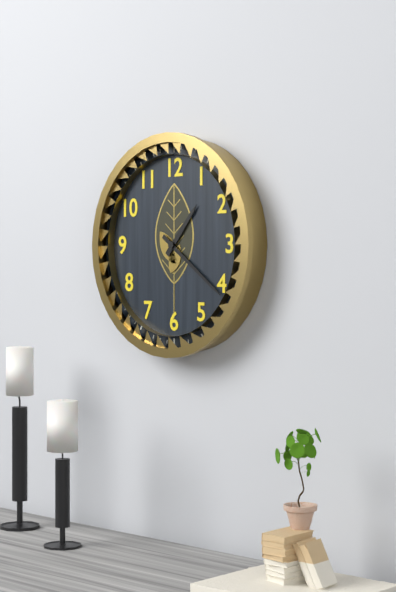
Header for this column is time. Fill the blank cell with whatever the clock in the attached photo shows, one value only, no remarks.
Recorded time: 1:21
